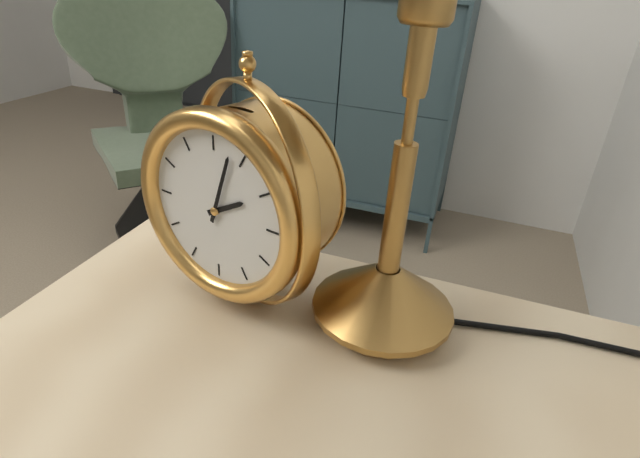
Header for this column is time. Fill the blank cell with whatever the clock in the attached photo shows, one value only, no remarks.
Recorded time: 2:03
